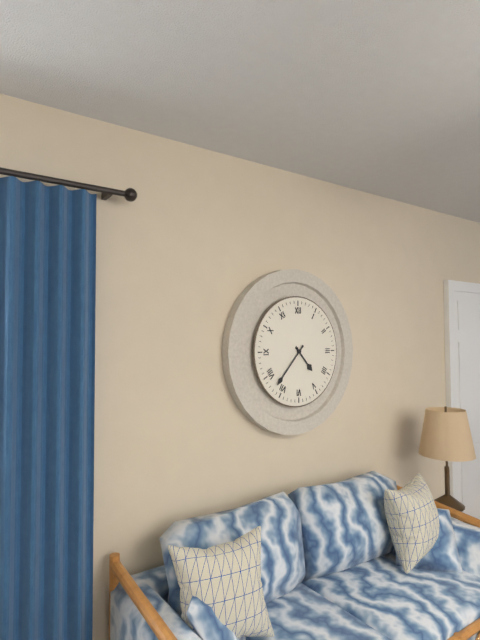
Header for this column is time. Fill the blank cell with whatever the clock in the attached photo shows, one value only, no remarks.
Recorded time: 4:37
